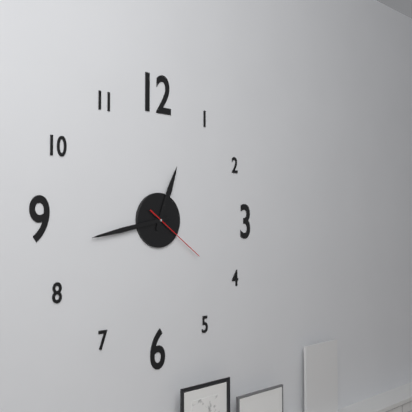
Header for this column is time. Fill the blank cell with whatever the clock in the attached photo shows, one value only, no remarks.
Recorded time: 12:43:21
